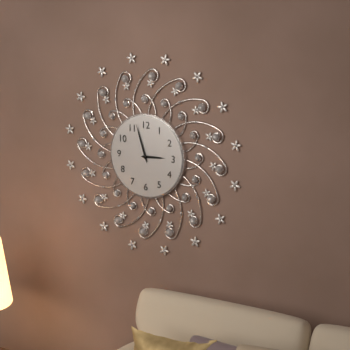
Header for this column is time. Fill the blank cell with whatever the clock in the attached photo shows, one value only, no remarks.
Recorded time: 2:57
